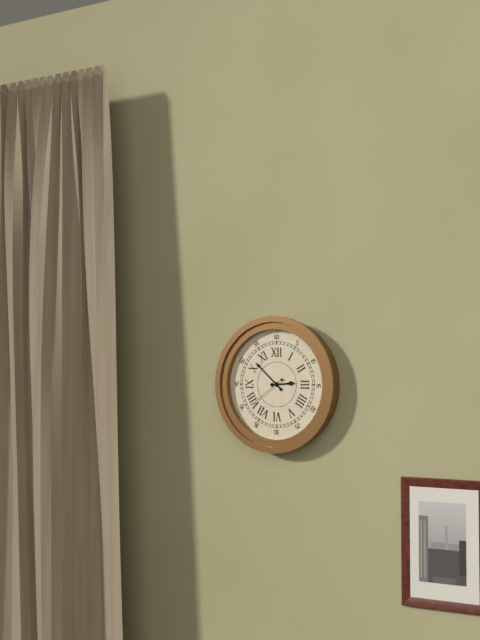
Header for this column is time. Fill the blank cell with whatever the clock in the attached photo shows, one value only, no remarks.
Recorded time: 2:52
